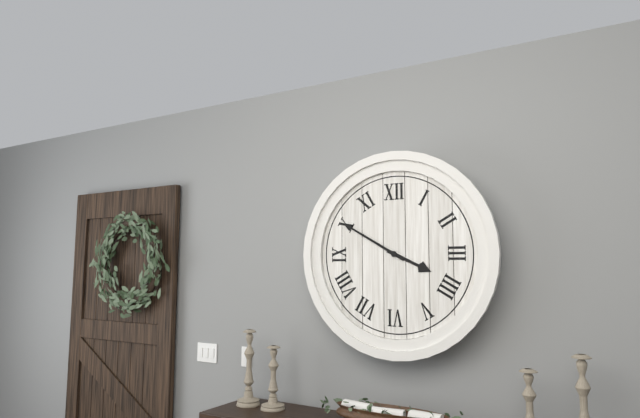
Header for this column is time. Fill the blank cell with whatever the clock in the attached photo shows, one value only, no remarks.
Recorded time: 3:50
